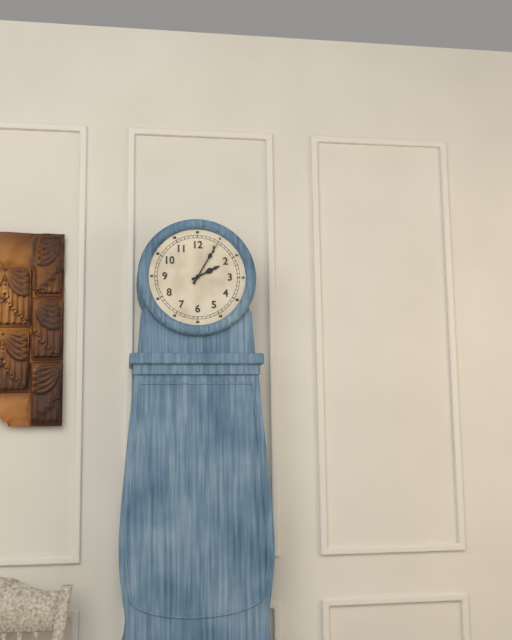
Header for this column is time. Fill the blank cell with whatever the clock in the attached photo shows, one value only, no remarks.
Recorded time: 2:05
